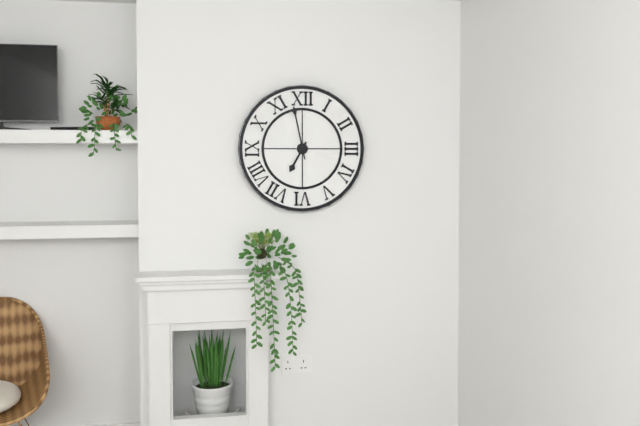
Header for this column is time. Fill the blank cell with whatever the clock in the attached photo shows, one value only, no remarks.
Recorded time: 6:58
